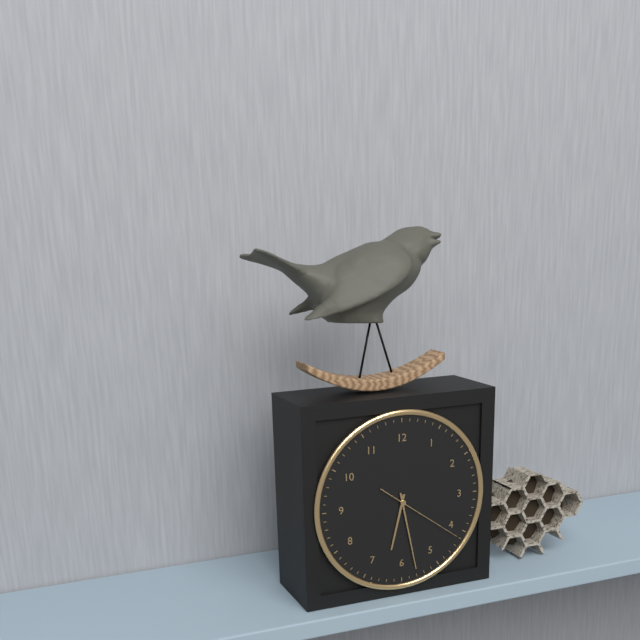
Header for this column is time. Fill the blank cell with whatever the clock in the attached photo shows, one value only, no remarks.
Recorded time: 6:28:21
